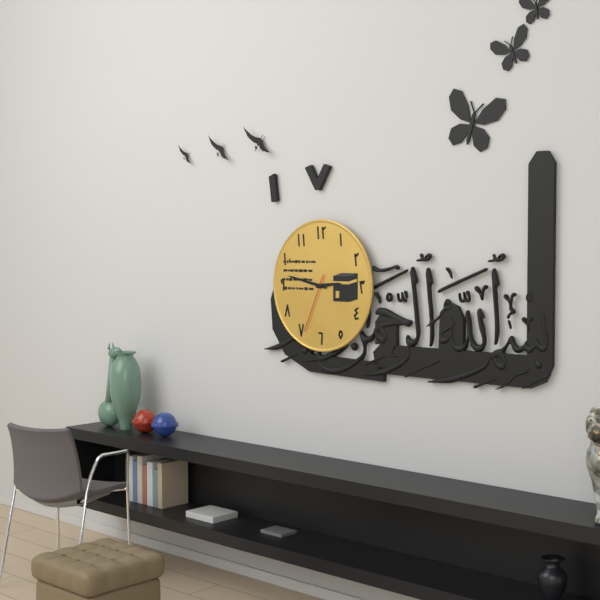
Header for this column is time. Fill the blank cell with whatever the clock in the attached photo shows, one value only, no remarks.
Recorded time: 2:47:34
